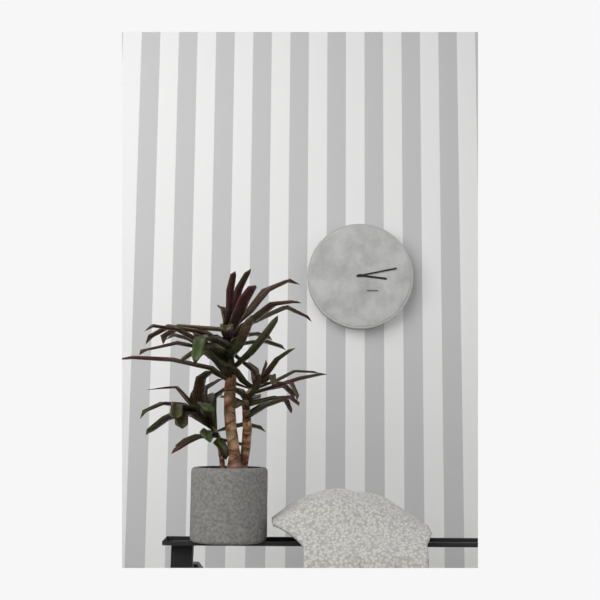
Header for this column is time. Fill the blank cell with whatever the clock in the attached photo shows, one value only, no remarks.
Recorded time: 3:13
